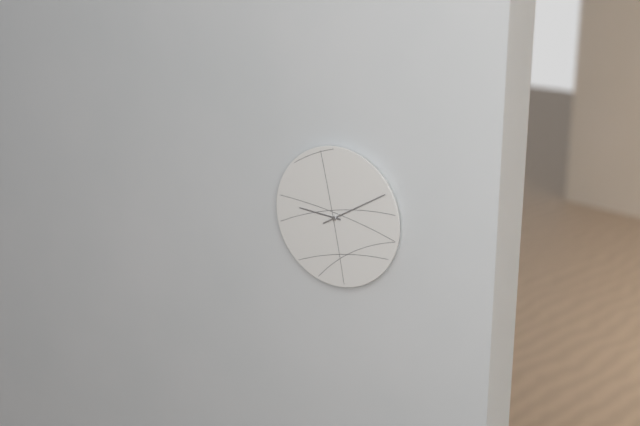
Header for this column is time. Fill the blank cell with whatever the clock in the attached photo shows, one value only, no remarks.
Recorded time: 9:10
